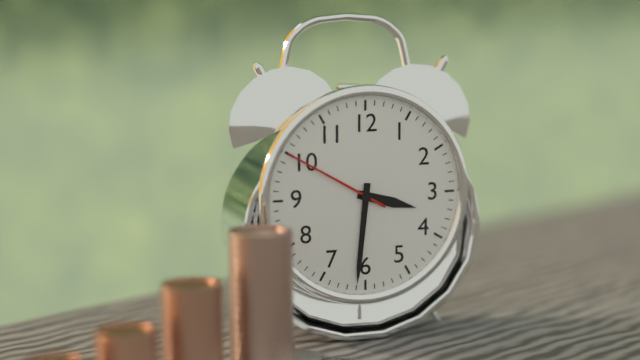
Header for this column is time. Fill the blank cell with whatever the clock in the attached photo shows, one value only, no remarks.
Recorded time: 3:31:50
